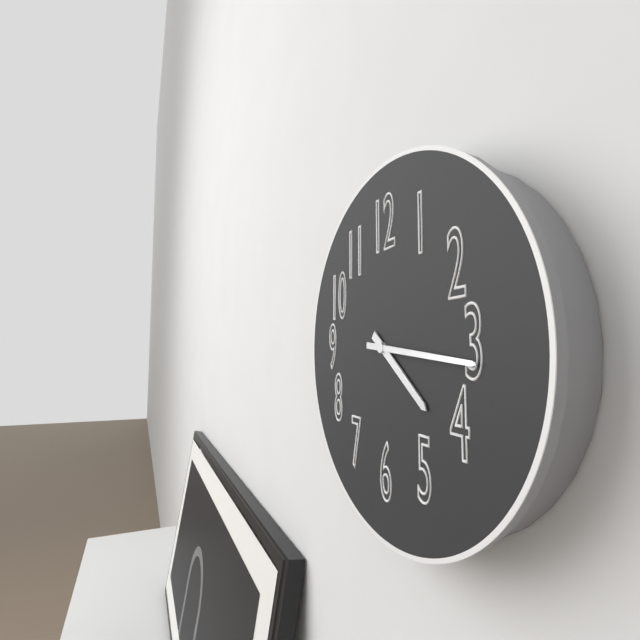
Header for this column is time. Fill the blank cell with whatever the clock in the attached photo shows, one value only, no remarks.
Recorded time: 4:16
